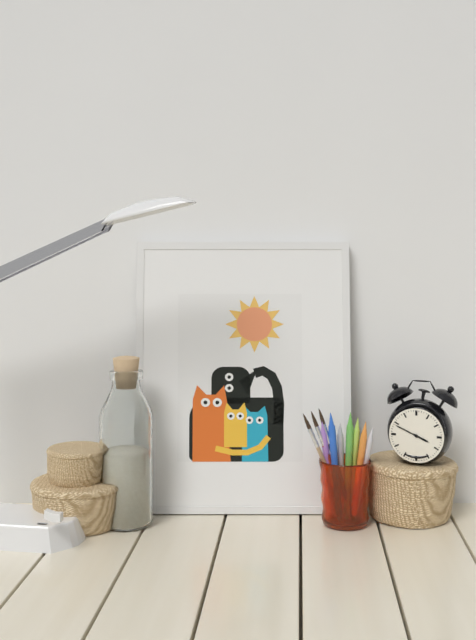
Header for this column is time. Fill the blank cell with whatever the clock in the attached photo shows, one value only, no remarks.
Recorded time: 3:49
